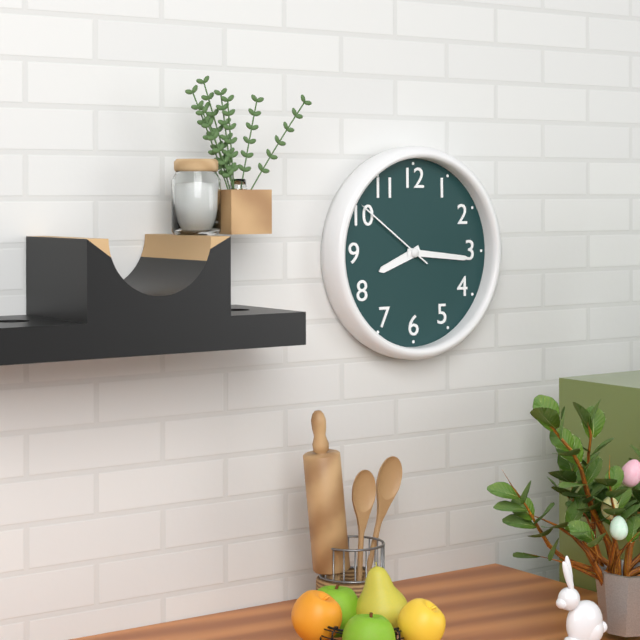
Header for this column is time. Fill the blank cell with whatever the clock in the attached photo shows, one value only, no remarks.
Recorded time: 8:16:51
